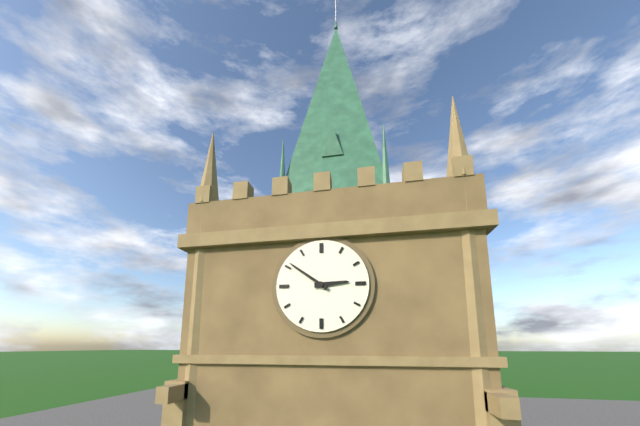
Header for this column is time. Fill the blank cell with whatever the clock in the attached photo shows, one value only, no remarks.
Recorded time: 2:51
